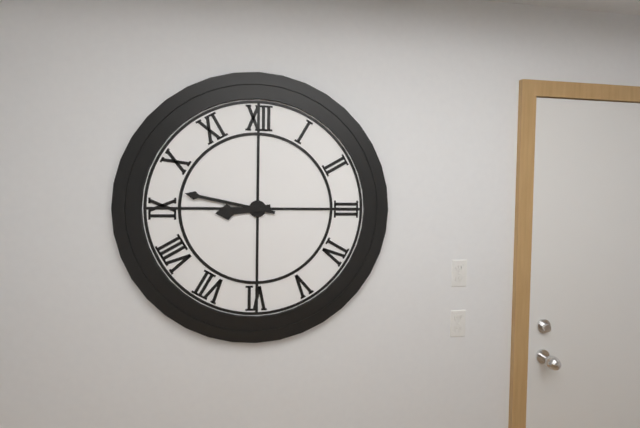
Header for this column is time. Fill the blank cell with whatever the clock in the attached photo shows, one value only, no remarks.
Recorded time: 8:47
